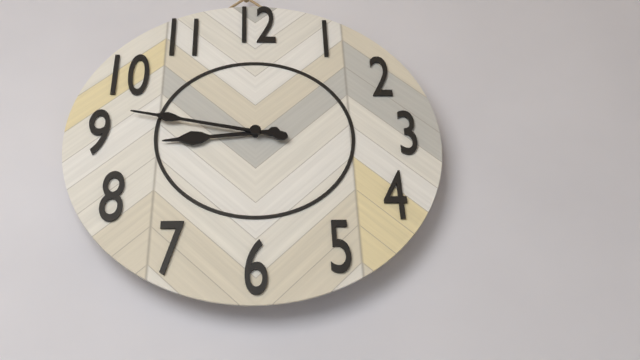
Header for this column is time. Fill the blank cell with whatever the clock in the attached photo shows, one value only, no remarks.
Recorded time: 8:47
